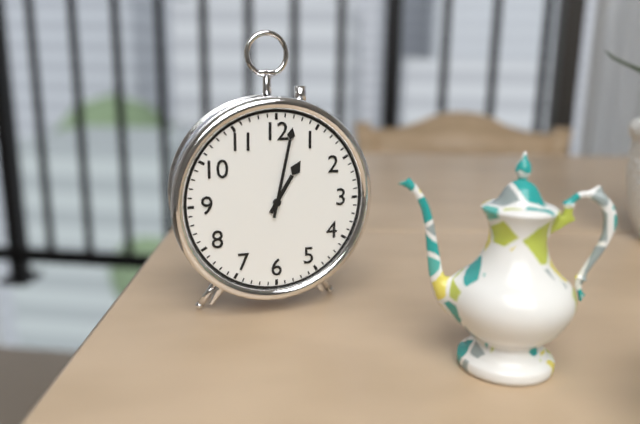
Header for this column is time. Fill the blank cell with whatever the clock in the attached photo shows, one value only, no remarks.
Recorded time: 1:02
